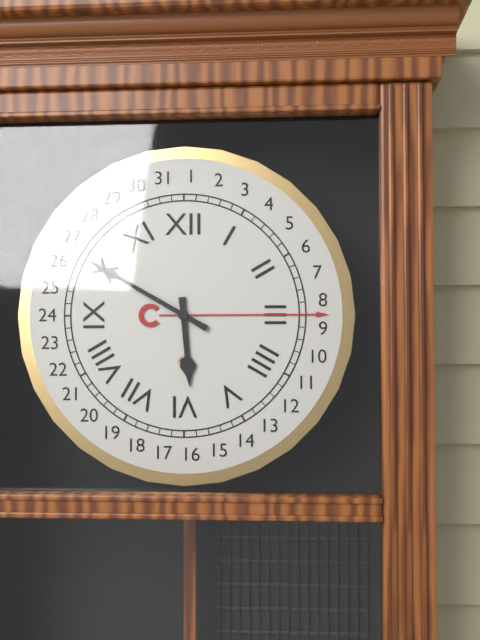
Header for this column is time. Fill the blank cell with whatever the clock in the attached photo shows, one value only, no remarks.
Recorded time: 5:50
